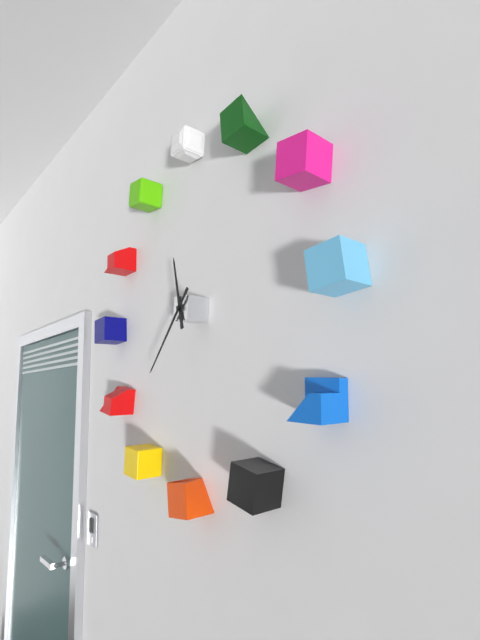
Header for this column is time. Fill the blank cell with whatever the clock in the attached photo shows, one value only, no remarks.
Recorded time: 11:37
